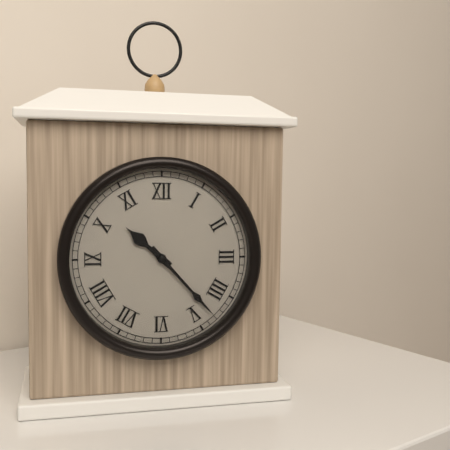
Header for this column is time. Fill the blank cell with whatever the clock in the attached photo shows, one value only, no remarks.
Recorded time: 10:23
